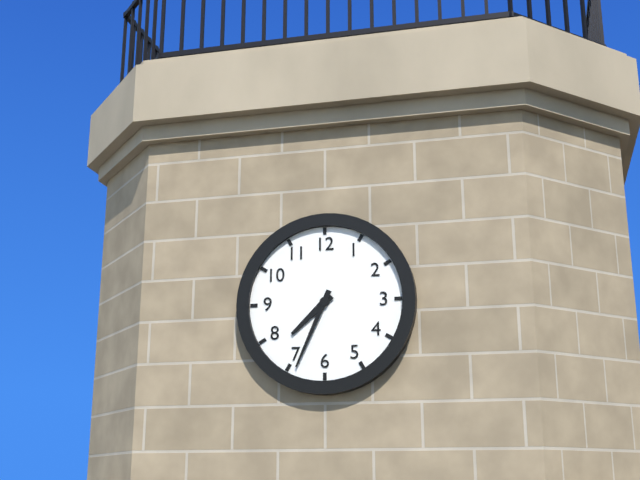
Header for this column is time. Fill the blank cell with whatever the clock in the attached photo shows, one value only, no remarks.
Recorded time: 7:34
